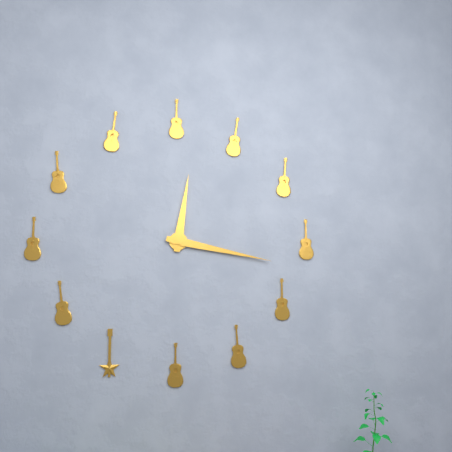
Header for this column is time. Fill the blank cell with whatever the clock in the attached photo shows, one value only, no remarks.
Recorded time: 12:17
